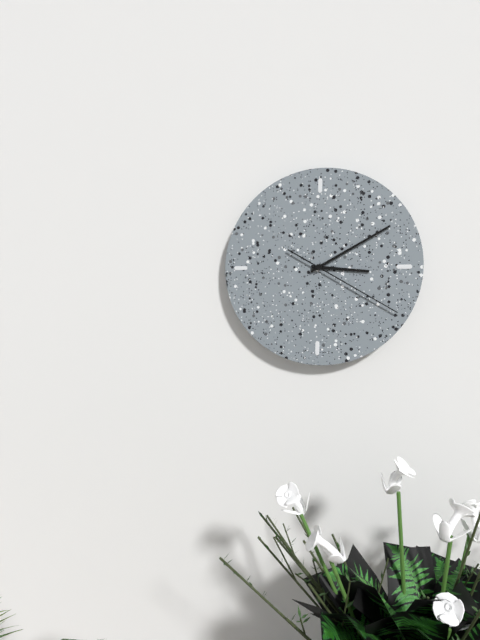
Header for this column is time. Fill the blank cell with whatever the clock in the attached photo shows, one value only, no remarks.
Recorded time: 3:10:20
